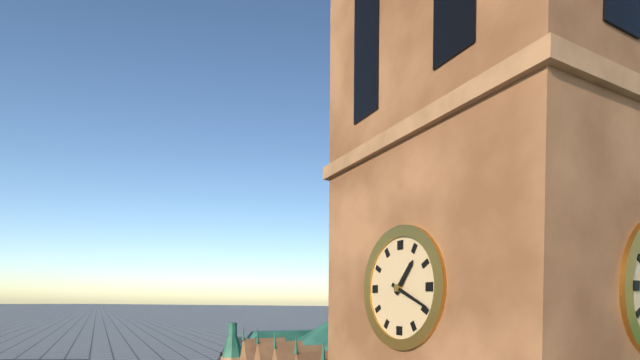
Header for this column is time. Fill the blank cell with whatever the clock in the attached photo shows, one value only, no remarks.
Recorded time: 1:19
